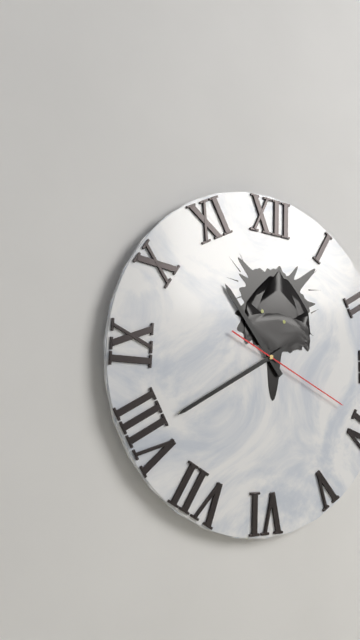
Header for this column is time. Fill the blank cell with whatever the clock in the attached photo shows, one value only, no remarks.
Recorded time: 10:40:19
